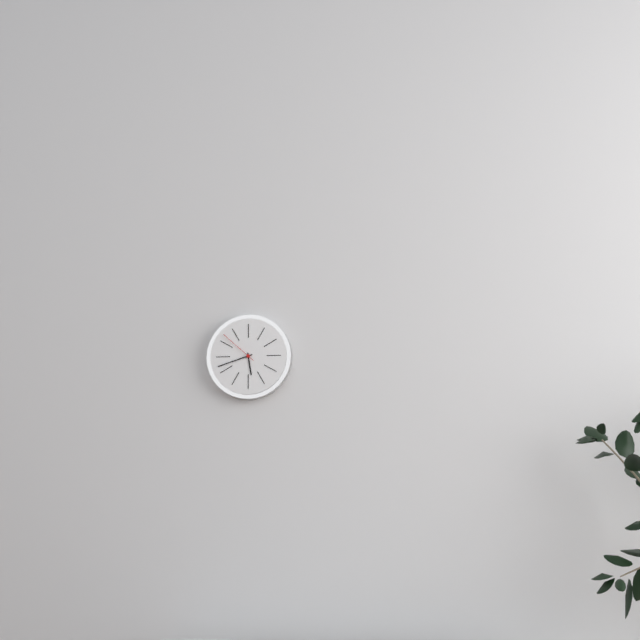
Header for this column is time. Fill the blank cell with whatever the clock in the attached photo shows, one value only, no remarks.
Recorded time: 5:42
